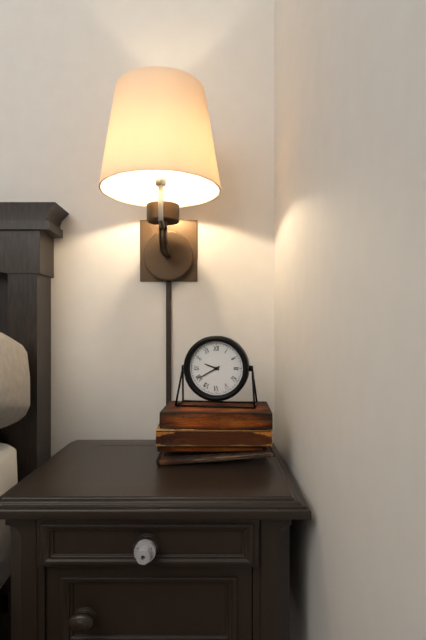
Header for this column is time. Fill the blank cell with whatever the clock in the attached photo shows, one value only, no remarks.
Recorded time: 9:40
